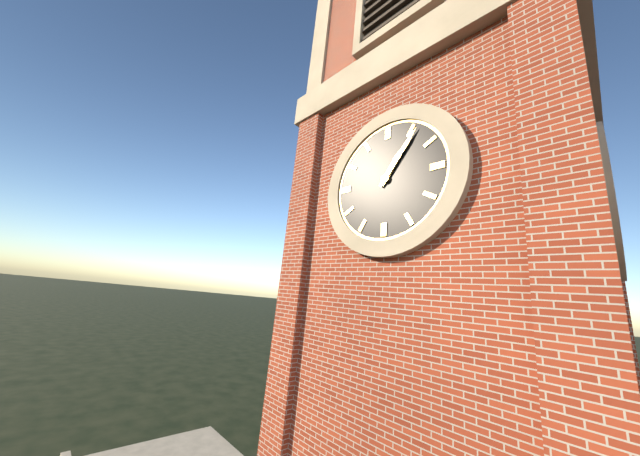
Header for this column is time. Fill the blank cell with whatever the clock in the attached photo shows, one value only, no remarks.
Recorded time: 1:06
